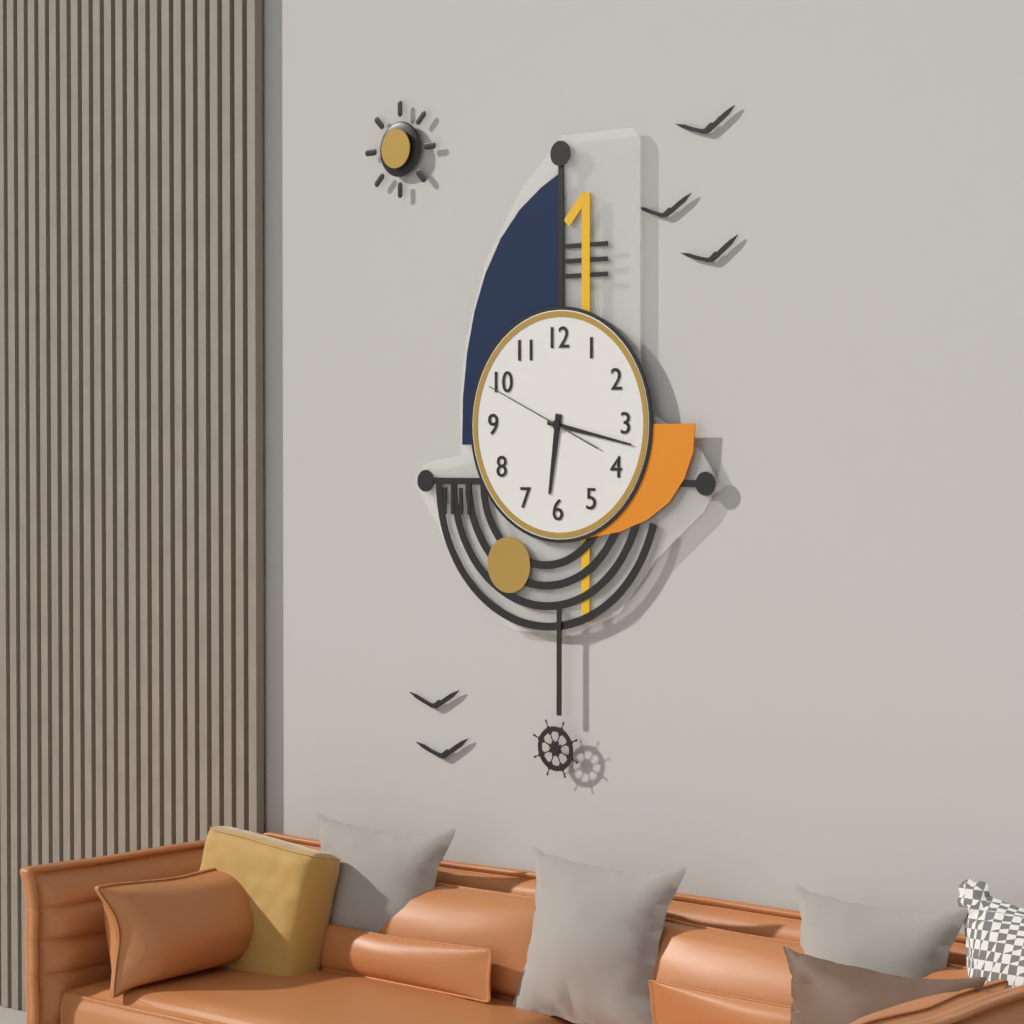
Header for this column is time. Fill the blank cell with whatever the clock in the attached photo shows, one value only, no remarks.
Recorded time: 6:17:49
